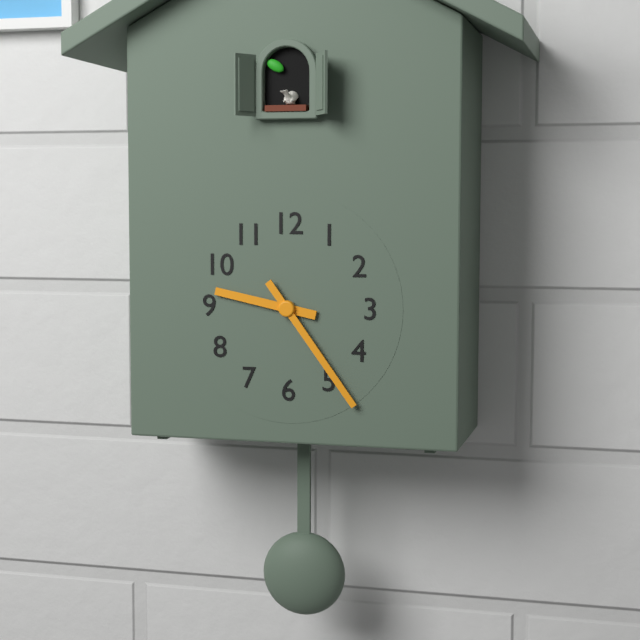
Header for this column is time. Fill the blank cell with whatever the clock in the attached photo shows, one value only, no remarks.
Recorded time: 9:24
